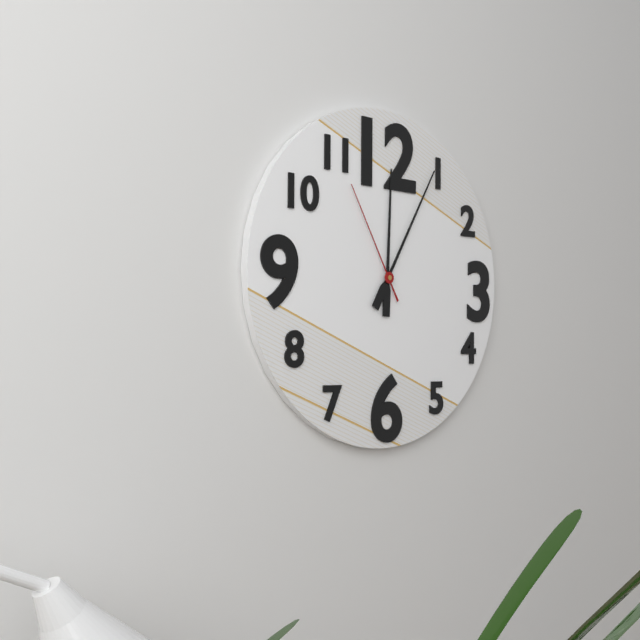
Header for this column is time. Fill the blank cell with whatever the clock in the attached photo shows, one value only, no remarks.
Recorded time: 12:05:55
